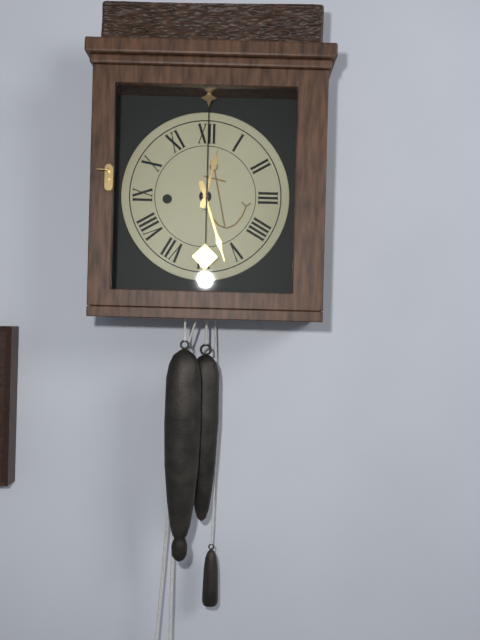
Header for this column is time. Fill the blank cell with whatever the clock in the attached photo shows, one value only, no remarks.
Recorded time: 12:27
